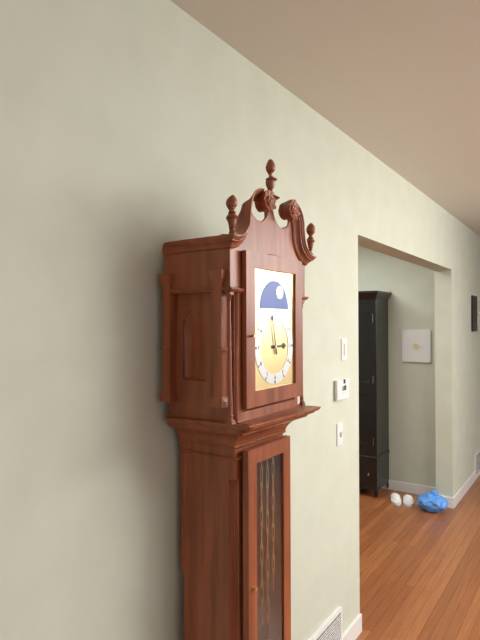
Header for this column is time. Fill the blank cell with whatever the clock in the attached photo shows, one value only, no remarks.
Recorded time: 2:58
